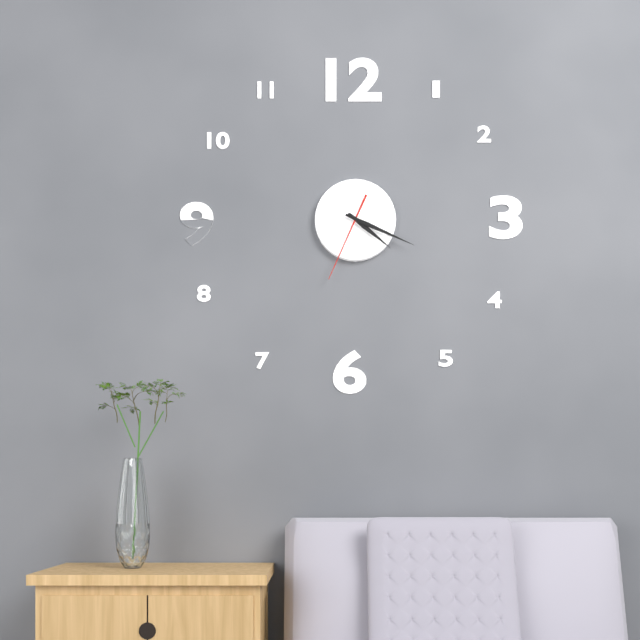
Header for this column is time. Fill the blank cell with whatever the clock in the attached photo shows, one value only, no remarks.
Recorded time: 4:19:34
